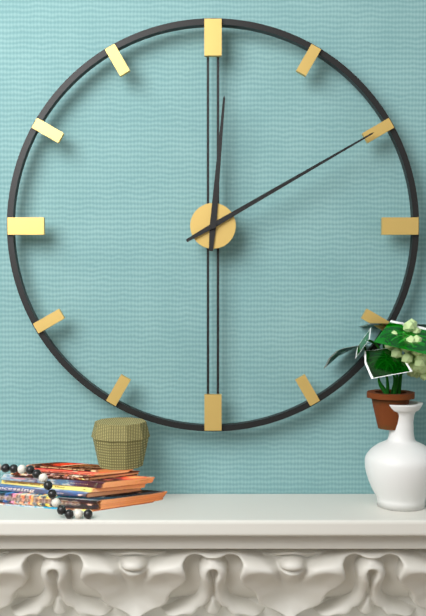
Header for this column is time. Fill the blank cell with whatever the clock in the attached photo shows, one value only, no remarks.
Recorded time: 12:10
